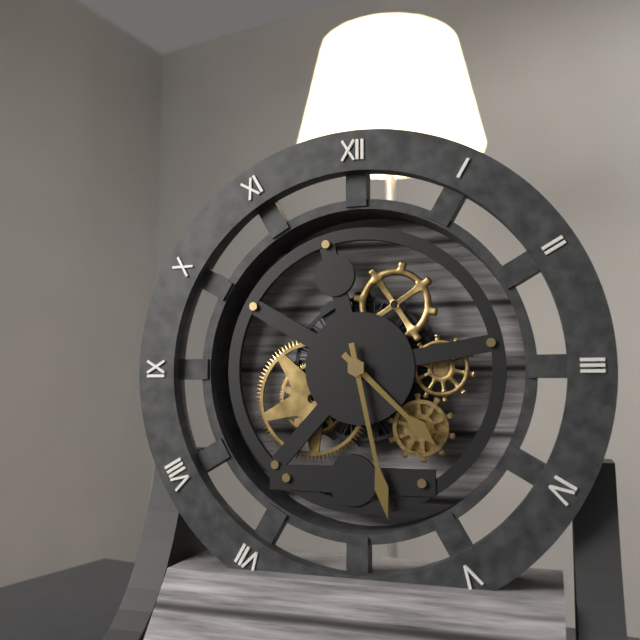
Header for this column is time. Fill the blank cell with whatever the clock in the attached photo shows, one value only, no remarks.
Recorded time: 4:28
